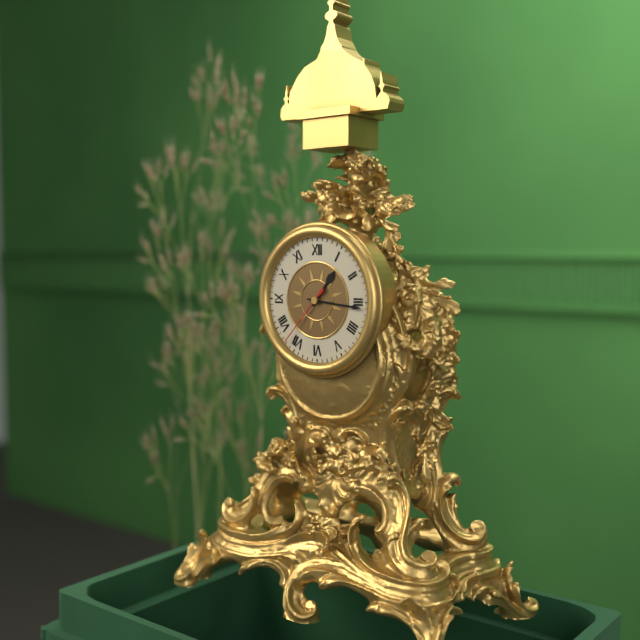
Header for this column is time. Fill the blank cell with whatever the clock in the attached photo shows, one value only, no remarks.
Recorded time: 1:16:37
